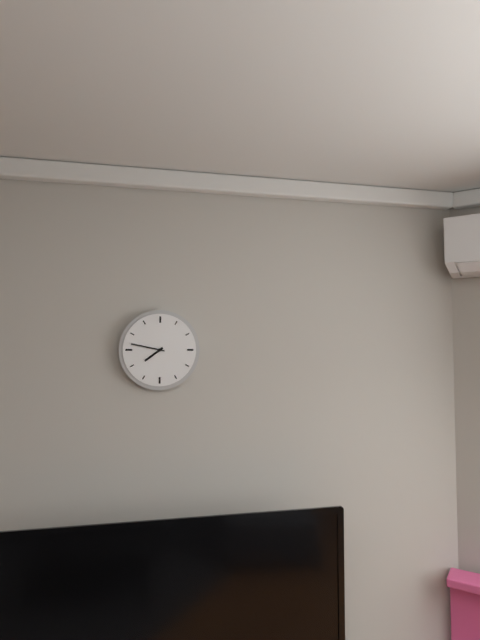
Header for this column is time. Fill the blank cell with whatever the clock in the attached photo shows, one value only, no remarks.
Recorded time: 7:47
